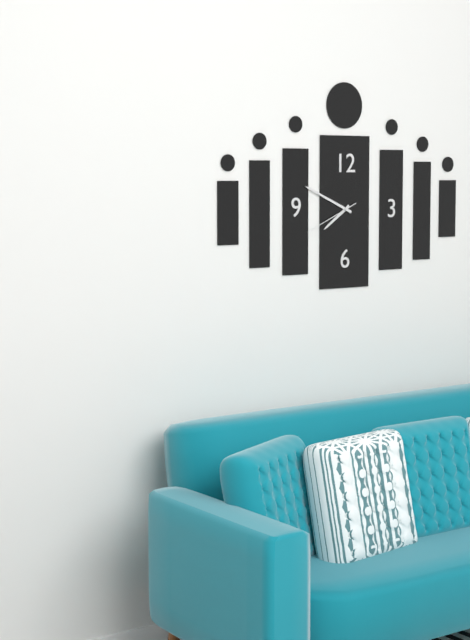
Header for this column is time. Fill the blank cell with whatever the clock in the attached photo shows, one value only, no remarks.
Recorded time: 7:49:41
